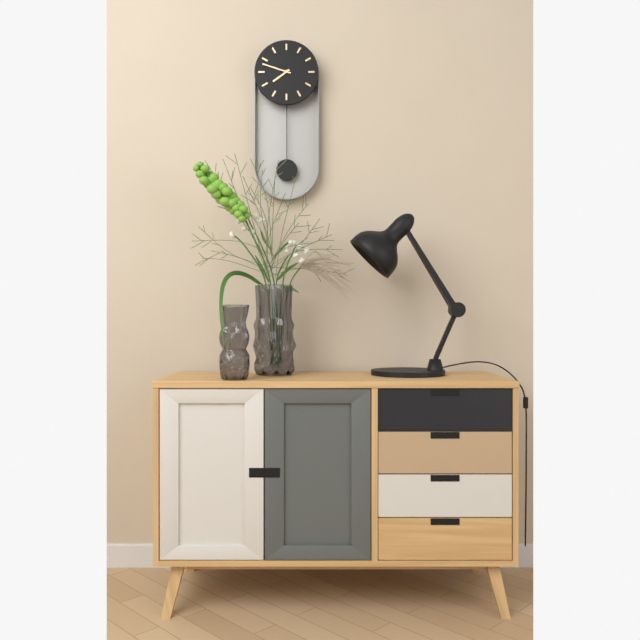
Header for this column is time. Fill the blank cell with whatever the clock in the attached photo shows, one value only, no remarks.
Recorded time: 7:48
